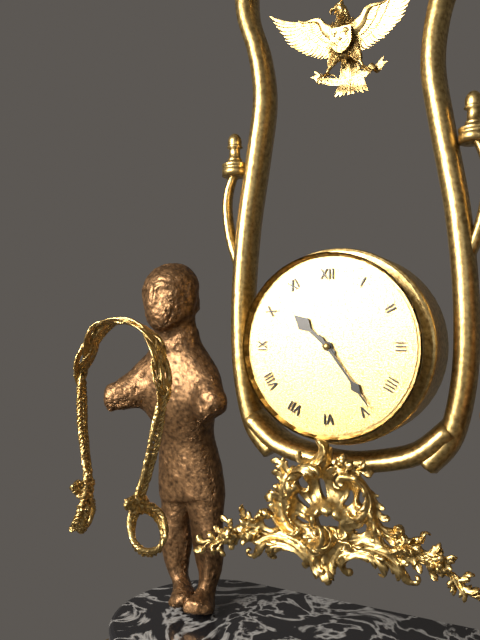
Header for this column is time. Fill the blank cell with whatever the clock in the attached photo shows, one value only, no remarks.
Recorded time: 10:24
